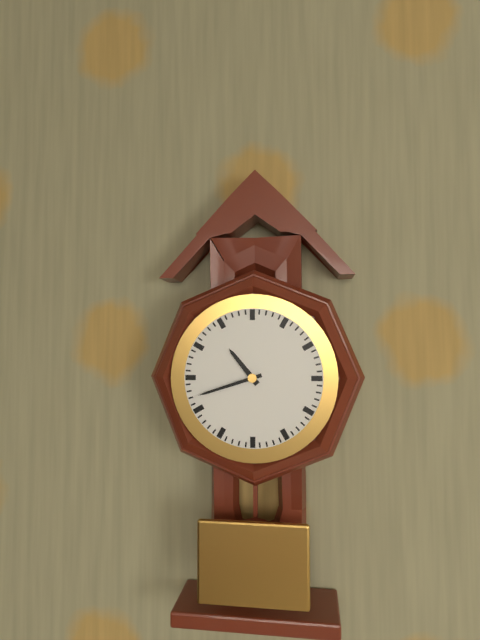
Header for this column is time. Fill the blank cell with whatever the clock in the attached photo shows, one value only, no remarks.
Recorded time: 10:42
